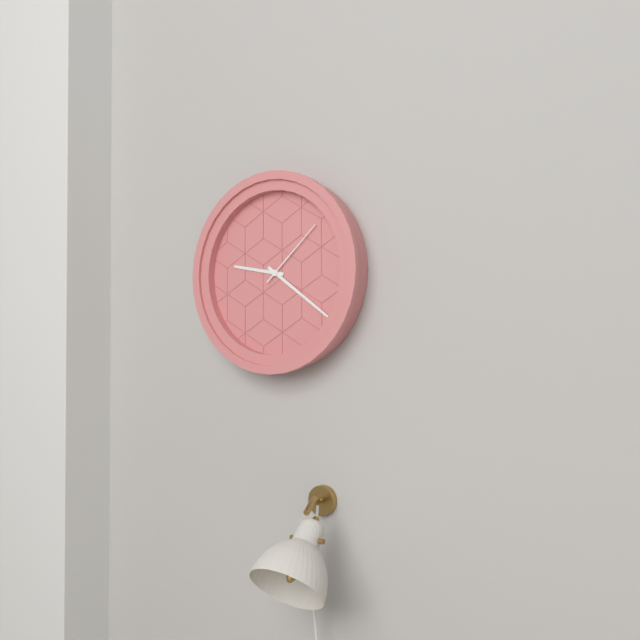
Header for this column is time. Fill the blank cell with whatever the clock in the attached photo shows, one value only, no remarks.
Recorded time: 9:21:08
